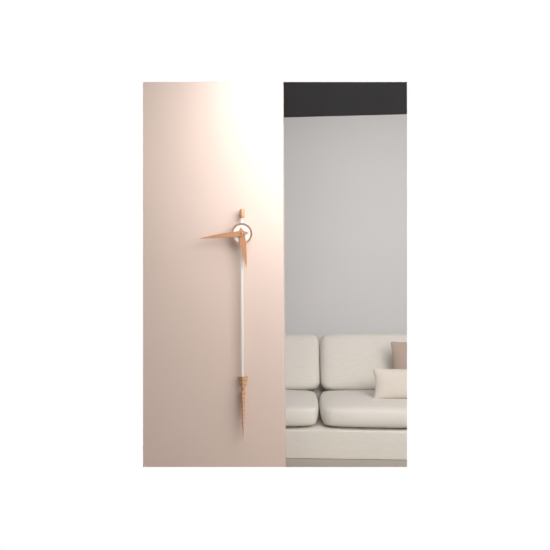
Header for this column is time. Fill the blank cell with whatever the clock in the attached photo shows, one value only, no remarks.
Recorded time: 5:44
